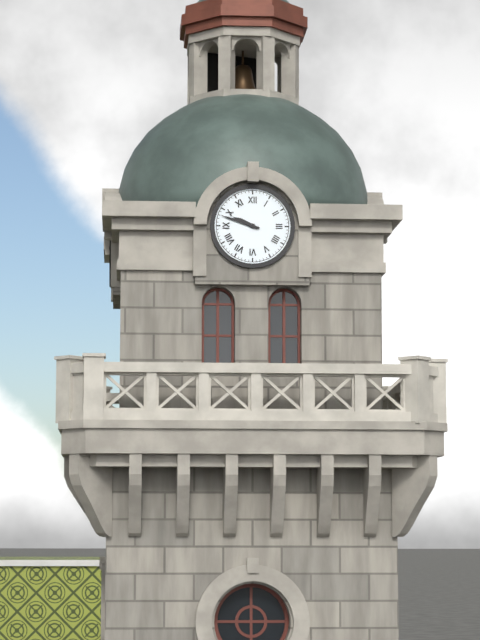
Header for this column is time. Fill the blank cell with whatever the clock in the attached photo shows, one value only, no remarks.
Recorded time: 9:48
